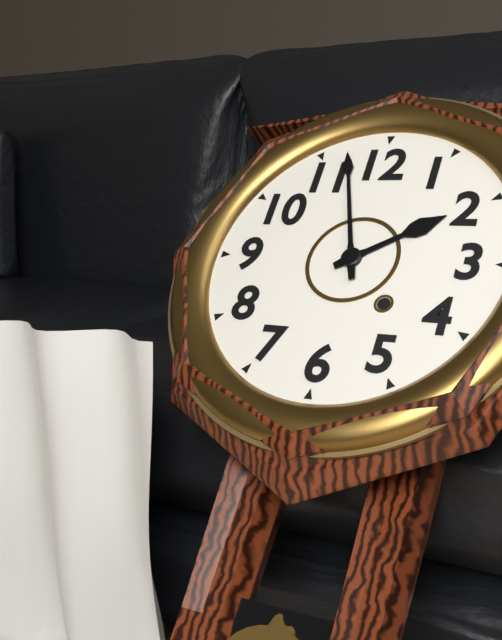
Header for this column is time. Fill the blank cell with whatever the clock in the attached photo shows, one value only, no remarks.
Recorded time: 1:57
